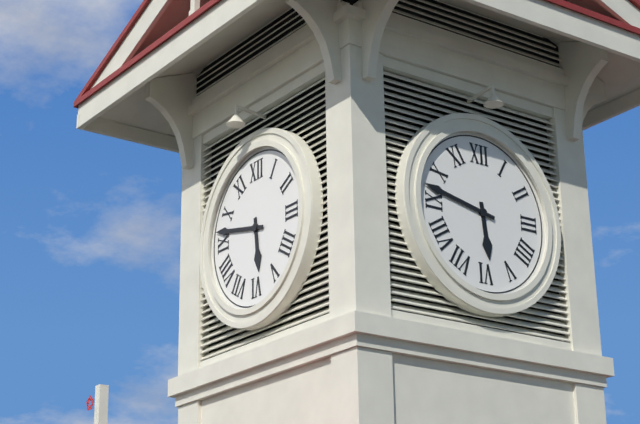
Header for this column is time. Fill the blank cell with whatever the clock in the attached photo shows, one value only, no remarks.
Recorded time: 5:47
